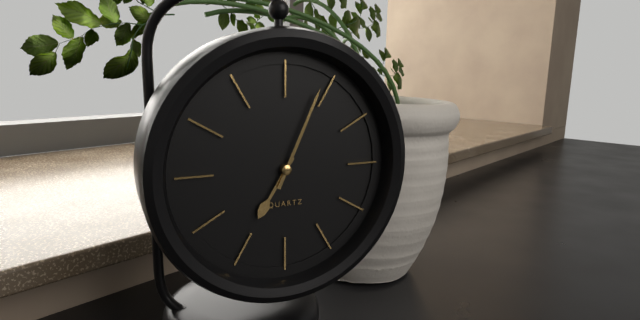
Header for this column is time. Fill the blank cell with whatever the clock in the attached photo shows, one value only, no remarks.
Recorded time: 7:04
